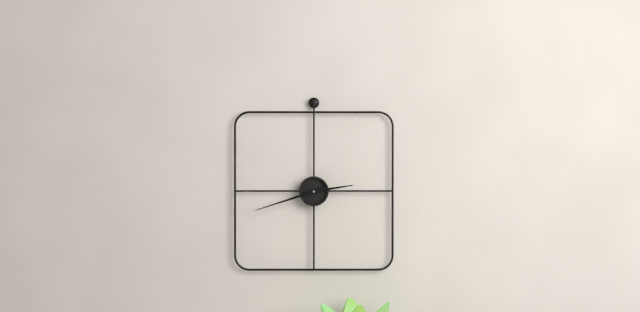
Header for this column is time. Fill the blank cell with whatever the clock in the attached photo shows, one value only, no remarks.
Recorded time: 2:42
